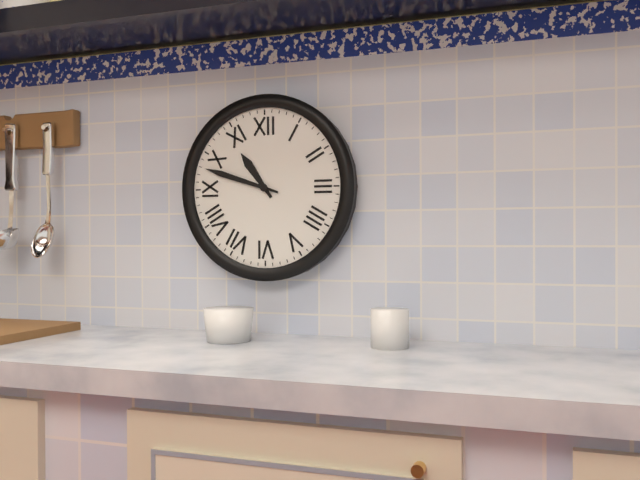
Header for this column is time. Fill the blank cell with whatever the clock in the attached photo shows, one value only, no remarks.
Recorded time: 10:48
